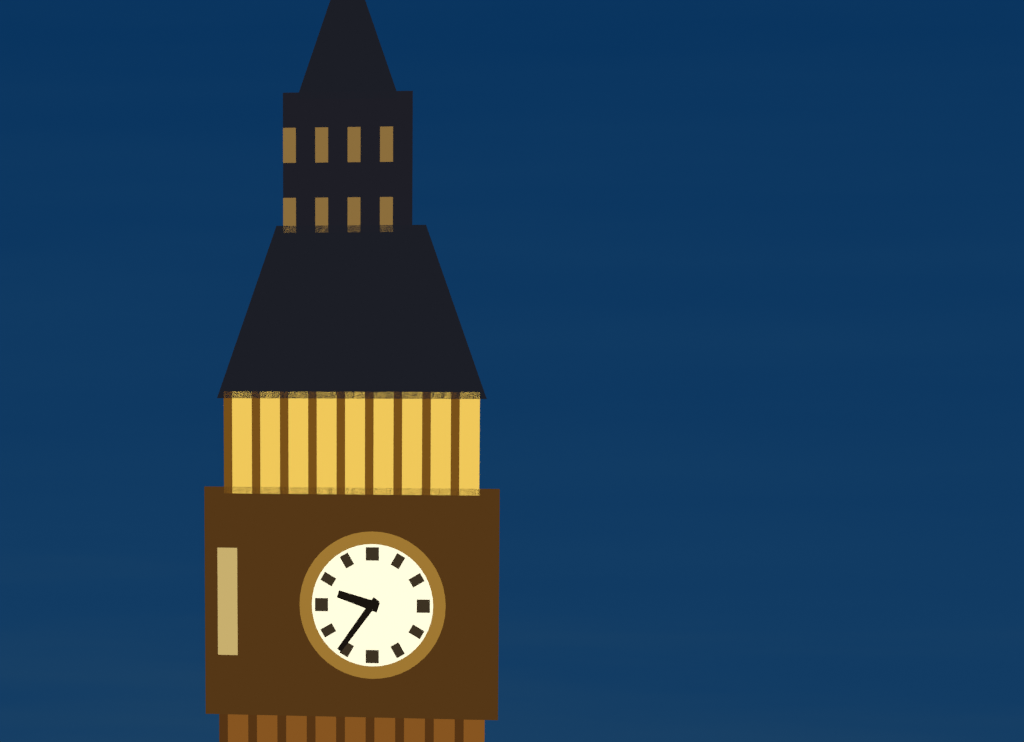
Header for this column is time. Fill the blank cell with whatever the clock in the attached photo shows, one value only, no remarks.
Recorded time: 9:36
